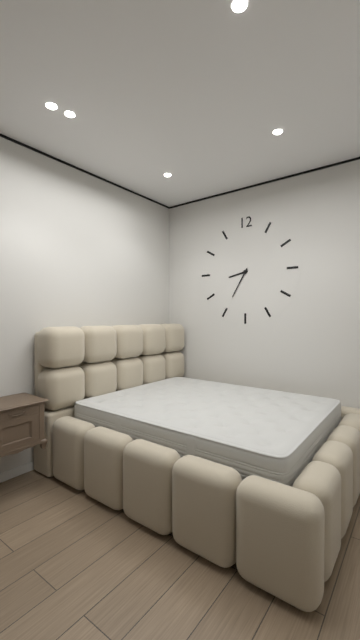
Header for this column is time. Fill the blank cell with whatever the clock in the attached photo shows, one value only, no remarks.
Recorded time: 8:35
